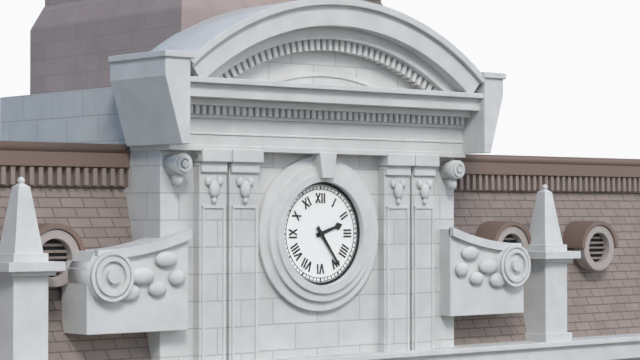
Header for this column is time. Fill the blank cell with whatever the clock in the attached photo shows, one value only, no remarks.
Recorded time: 2:24
